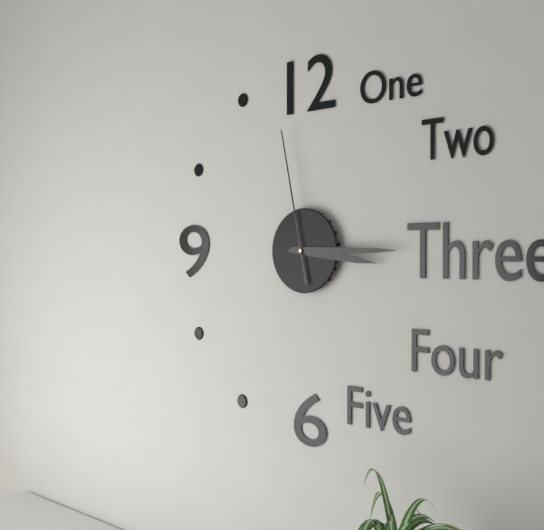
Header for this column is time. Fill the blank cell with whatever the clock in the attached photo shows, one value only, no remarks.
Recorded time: 3:15:58
